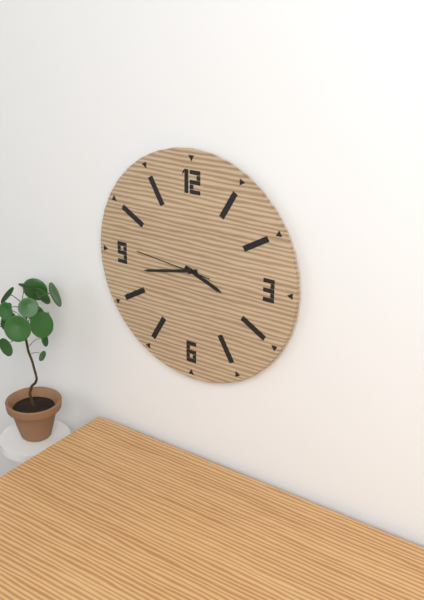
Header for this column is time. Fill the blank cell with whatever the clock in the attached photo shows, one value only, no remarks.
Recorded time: 3:43:46
